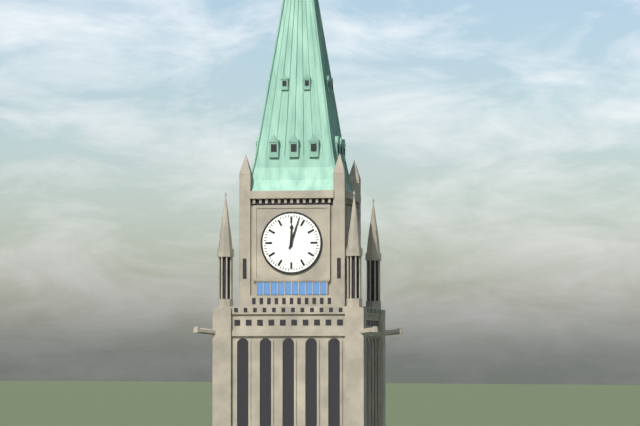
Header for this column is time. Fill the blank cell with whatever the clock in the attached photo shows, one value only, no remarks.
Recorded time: 12:03
